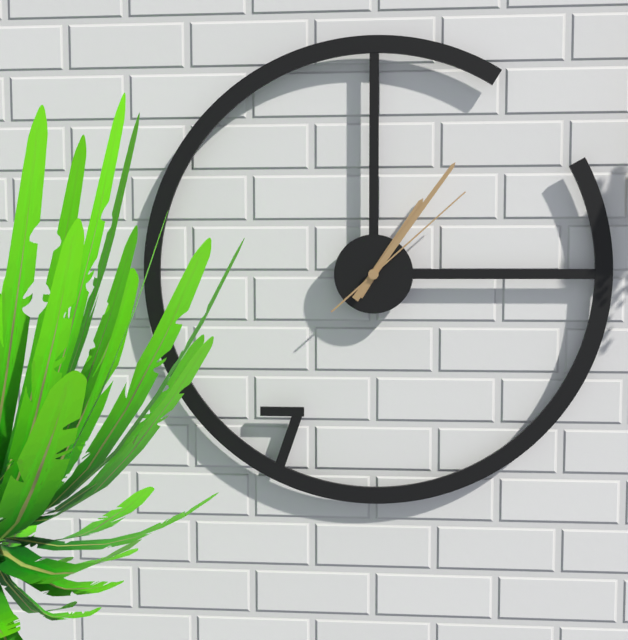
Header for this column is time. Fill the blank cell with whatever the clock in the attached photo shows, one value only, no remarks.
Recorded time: 1:06:08
